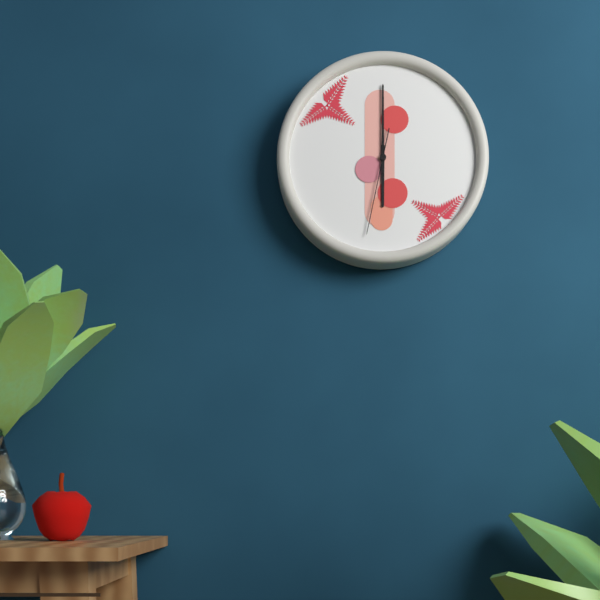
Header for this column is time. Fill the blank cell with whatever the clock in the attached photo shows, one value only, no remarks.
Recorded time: 6:00:32
